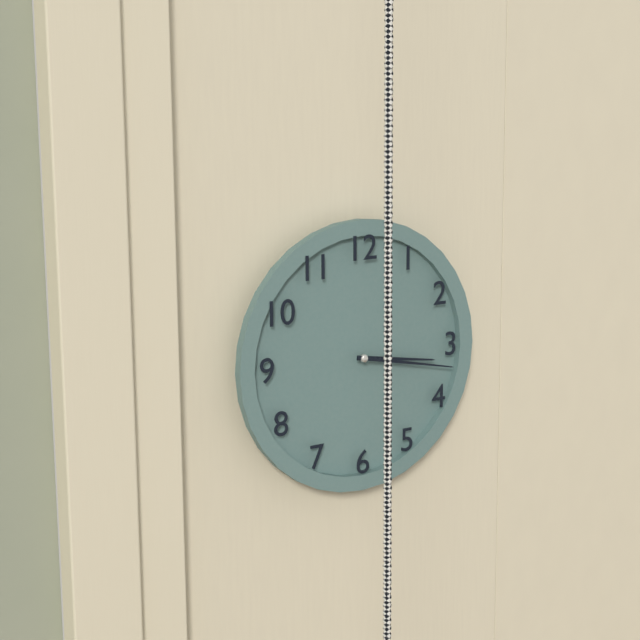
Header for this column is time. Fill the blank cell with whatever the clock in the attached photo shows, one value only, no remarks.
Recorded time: 3:17
